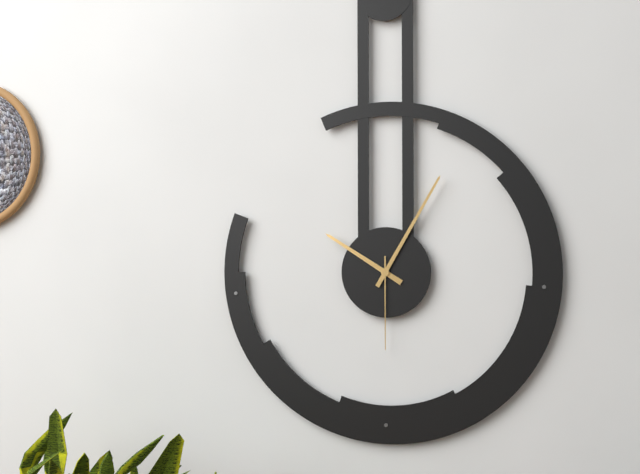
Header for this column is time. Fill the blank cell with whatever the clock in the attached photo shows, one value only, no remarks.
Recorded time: 10:05:30
